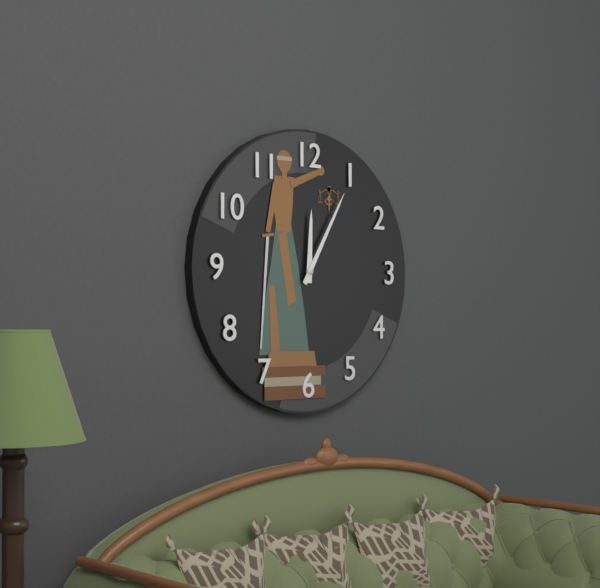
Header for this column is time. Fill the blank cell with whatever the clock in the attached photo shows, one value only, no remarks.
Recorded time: 12:05
